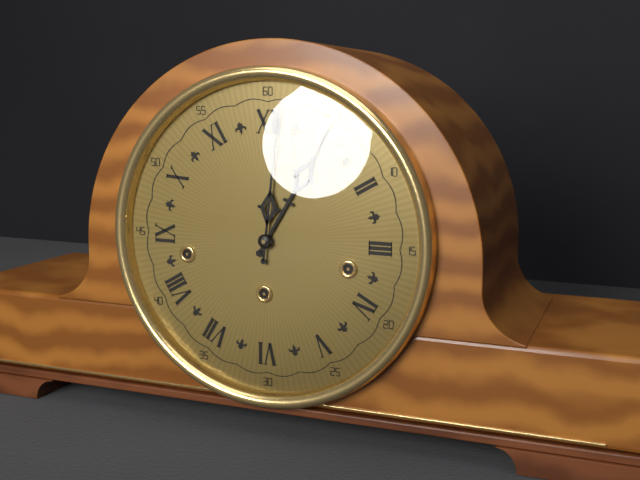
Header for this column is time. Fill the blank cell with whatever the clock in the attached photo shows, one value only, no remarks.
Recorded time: 1:01
